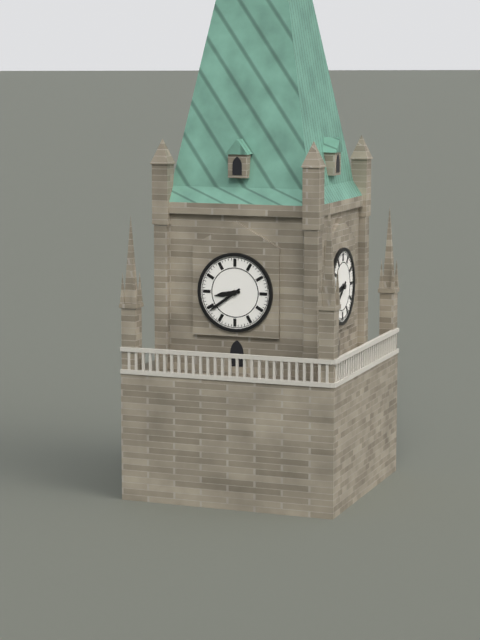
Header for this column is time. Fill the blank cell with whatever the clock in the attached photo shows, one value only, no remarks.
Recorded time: 8:39
